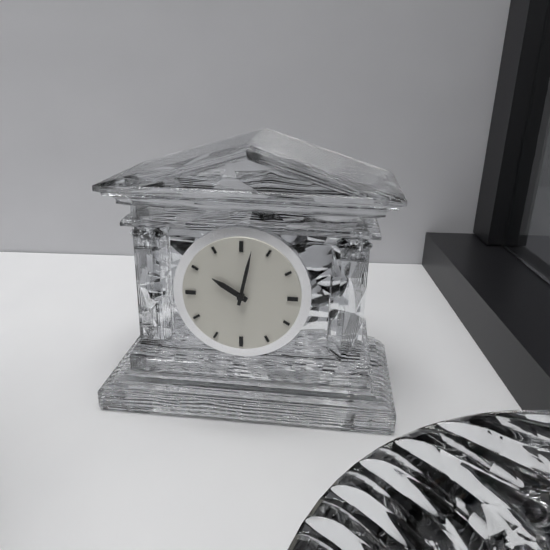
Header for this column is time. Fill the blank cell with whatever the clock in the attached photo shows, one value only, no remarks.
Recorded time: 10:02
